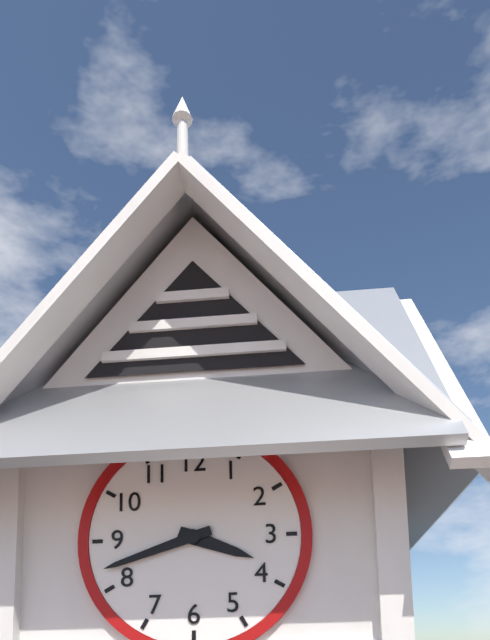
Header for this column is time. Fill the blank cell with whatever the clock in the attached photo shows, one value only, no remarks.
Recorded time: 3:42
